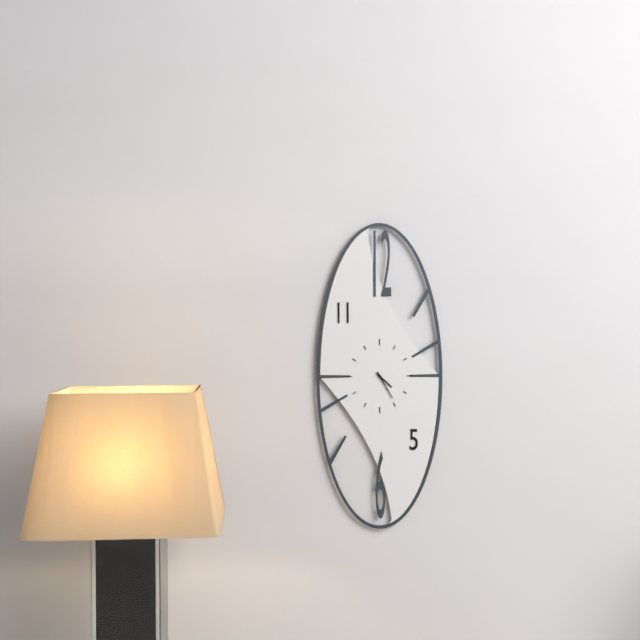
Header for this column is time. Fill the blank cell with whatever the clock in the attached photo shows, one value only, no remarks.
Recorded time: 4:25
